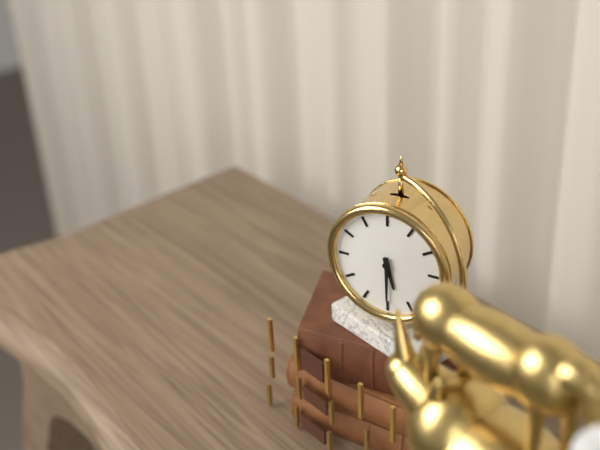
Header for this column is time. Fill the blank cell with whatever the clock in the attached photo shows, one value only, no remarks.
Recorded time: 5:30
